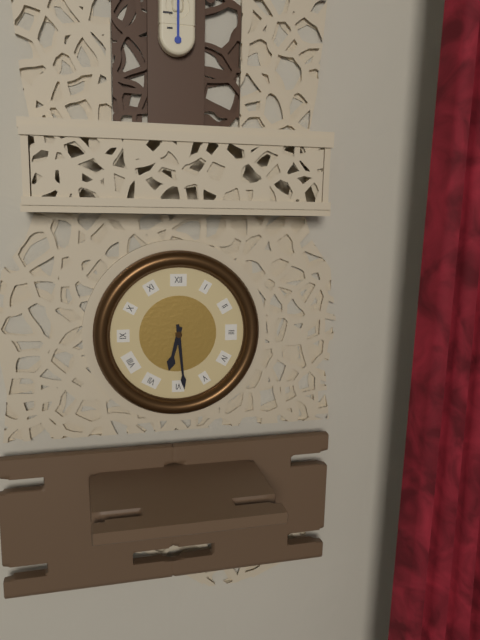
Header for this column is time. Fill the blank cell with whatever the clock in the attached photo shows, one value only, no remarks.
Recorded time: 6:29
